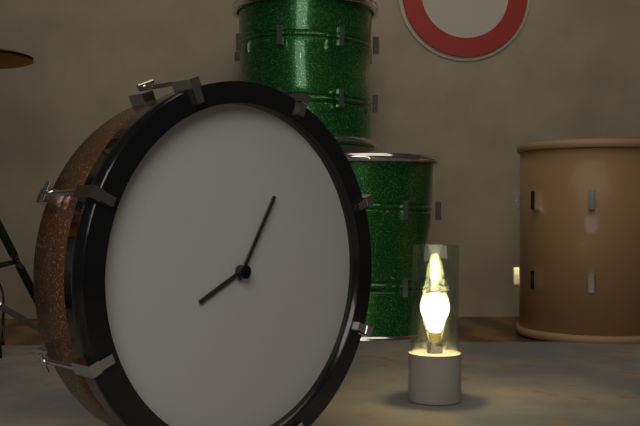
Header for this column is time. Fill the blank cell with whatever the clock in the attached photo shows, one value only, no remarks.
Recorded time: 8:05
